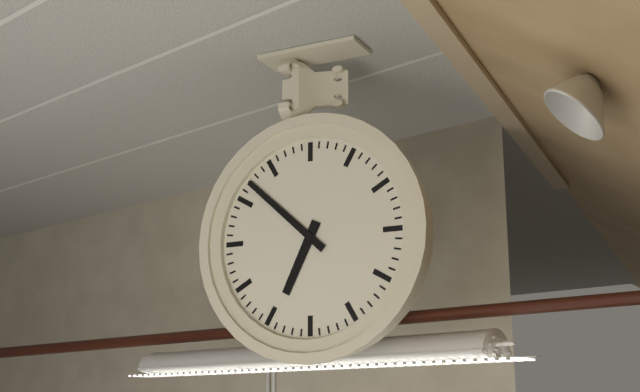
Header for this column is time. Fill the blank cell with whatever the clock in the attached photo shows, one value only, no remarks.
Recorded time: 6:52
